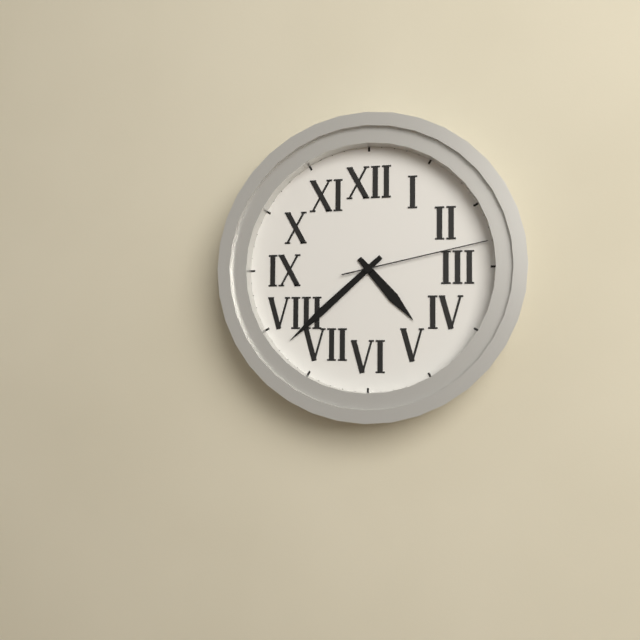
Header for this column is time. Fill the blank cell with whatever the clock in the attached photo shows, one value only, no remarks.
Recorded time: 4:38:13
